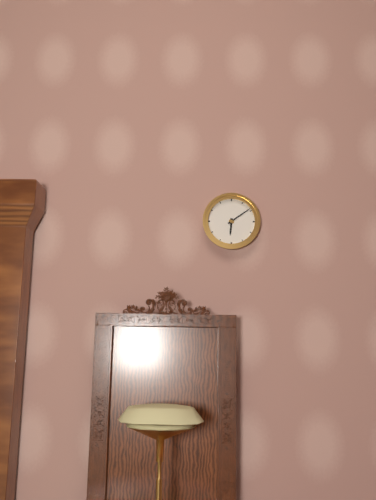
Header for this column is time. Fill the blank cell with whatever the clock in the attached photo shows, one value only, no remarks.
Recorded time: 6:09
